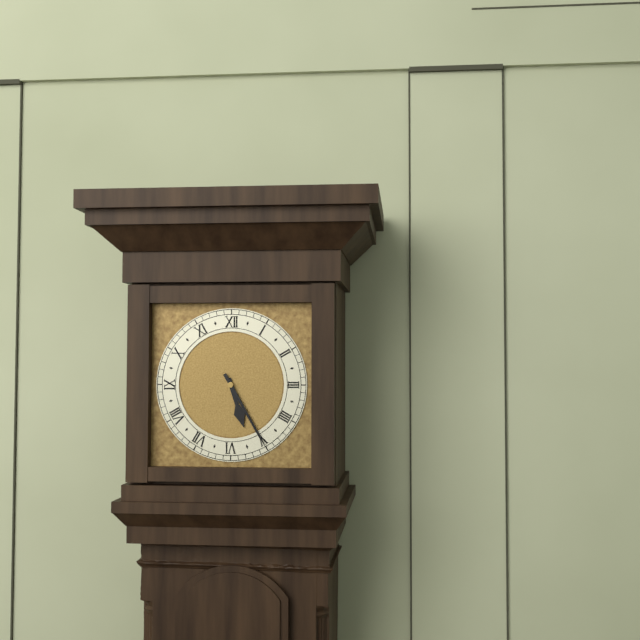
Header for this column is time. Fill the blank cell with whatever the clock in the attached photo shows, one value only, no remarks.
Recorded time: 5:25
